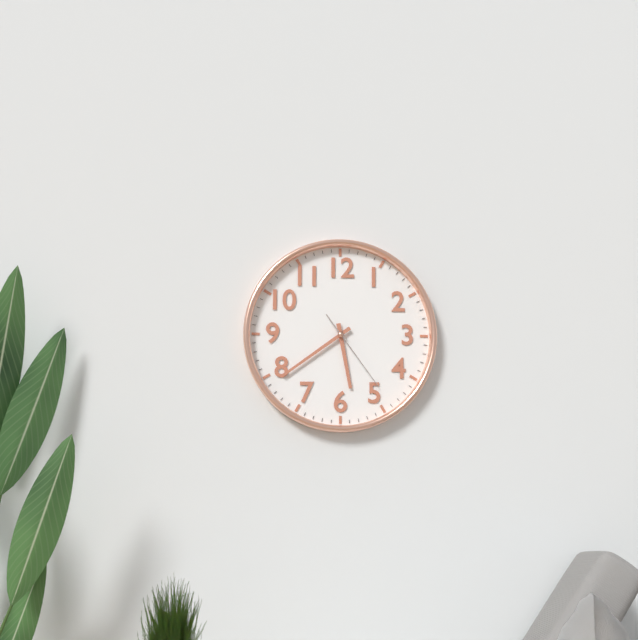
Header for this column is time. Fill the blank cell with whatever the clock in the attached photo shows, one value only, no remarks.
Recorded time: 5:39:24
